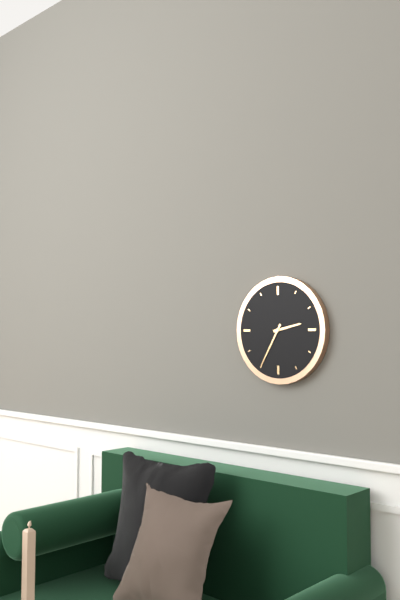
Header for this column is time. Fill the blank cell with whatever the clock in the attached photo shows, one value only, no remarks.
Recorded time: 2:35
